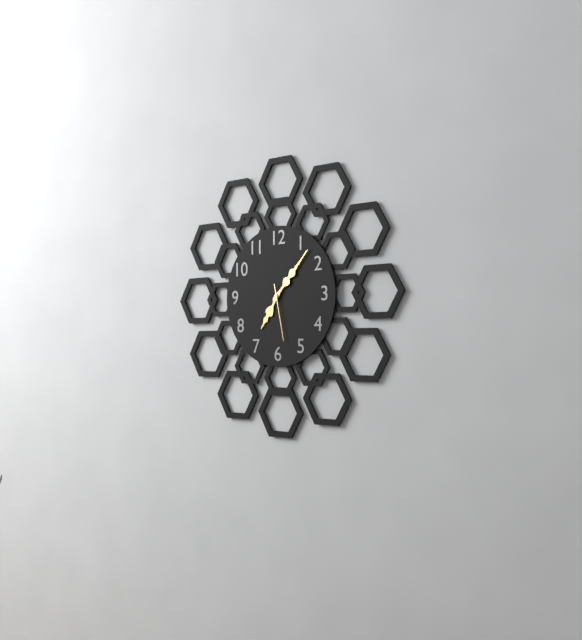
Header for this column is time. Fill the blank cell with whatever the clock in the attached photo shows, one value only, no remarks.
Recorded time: 7:07:28
